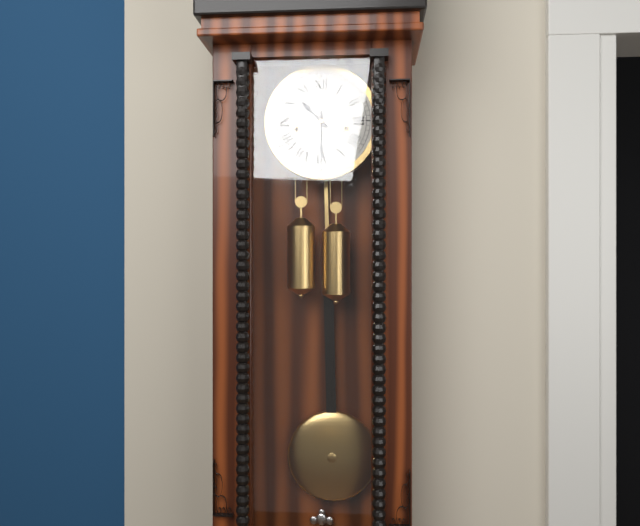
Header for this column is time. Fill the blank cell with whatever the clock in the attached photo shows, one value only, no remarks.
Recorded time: 10:30
